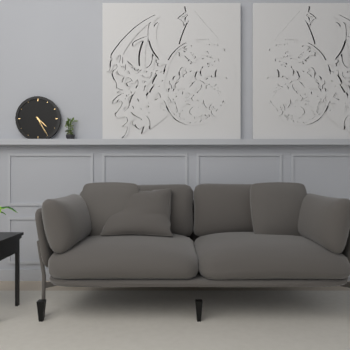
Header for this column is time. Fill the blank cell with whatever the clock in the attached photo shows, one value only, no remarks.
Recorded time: 4:25
